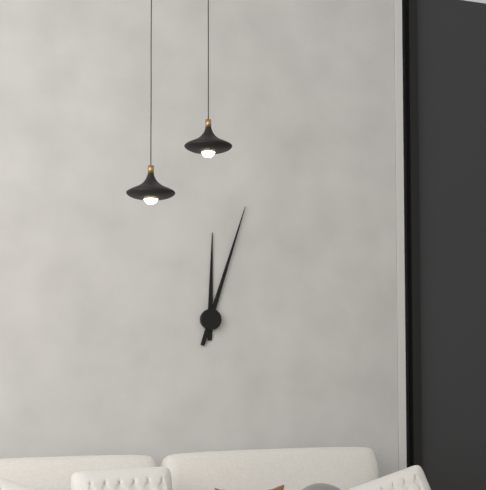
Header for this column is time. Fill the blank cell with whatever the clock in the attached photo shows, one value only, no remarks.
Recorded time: 12:03
